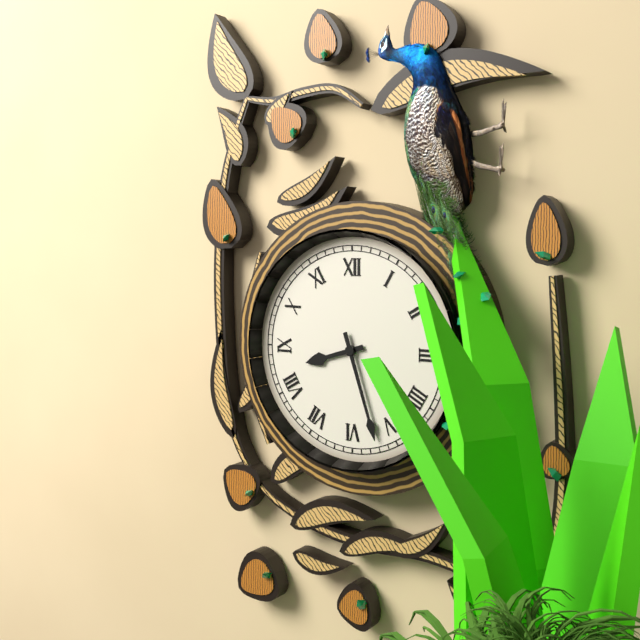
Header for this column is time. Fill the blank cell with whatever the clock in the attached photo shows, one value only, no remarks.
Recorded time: 8:27
